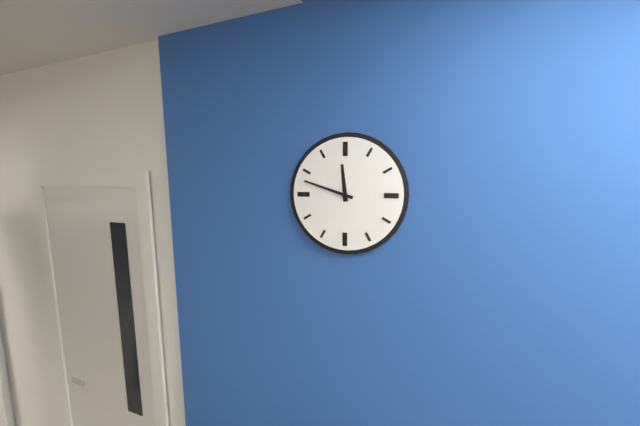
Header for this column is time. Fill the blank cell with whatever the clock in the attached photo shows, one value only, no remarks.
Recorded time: 11:48
